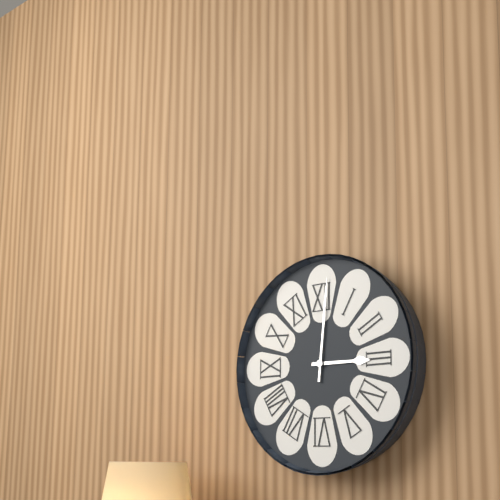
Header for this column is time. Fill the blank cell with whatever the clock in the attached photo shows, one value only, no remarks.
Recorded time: 3:01
